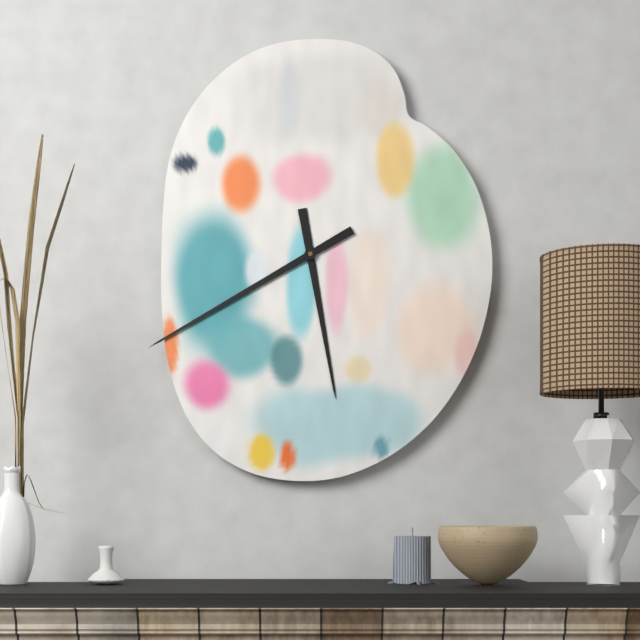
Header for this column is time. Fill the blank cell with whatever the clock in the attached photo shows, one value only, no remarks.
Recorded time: 5:40
